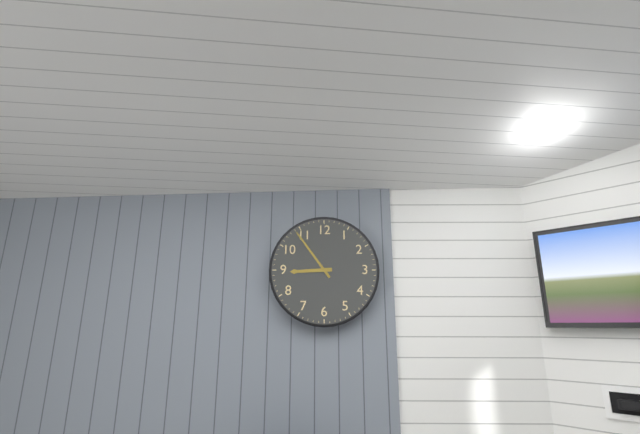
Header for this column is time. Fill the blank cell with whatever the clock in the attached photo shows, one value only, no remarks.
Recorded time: 8:54
